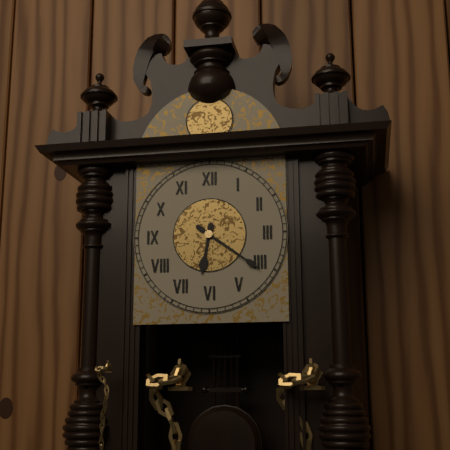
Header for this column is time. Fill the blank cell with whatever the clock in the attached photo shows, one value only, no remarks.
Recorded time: 6:21
